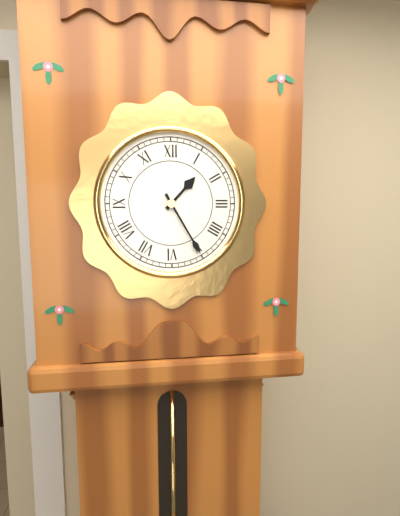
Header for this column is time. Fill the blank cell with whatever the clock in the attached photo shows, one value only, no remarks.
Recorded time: 1:25
